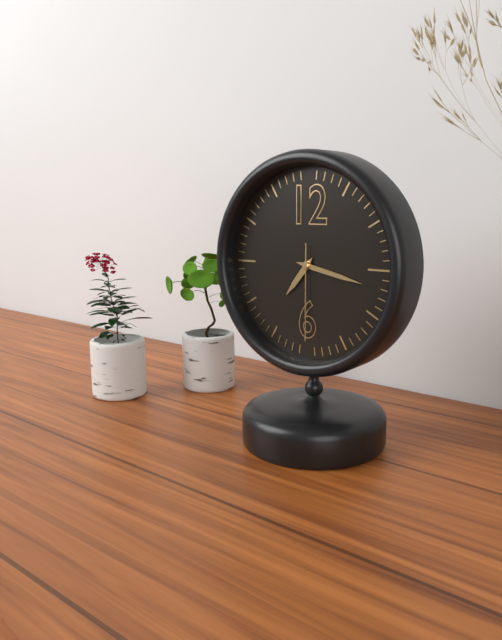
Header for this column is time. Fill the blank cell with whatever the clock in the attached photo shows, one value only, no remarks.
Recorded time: 7:17:30
